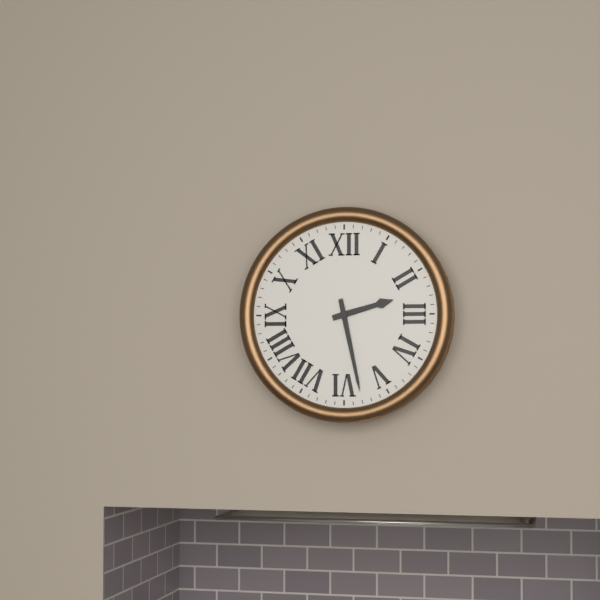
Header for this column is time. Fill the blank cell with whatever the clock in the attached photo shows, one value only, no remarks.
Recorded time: 2:28
